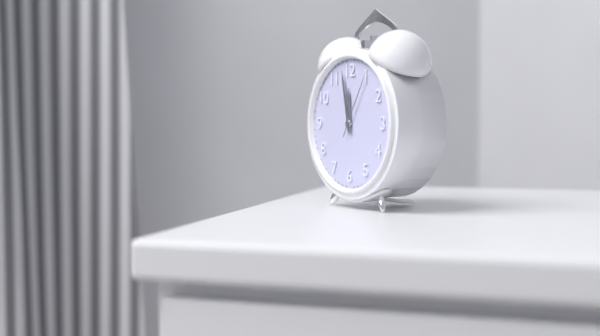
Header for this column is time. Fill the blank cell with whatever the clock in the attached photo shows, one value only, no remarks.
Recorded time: 11:58:05
